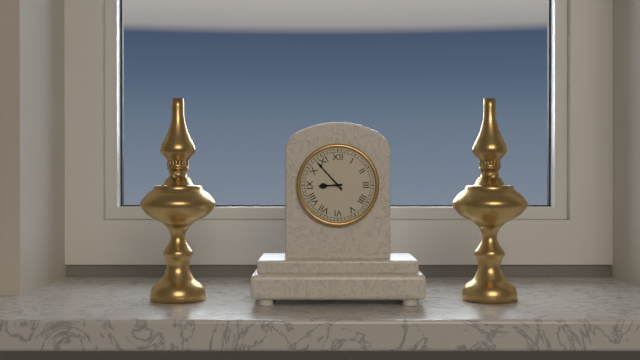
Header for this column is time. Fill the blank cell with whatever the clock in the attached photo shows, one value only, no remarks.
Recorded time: 8:53
